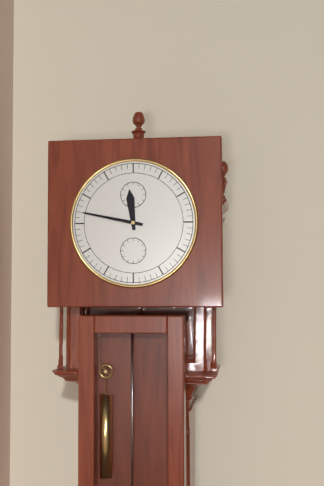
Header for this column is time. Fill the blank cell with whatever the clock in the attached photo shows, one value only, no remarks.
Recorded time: 11:47
